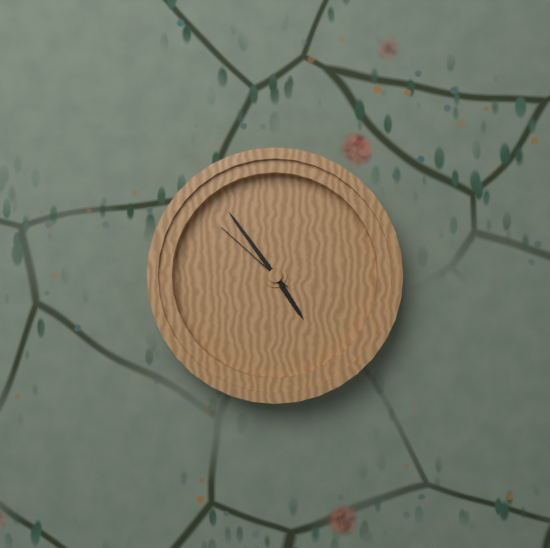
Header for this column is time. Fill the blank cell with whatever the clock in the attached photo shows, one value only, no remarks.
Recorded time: 4:54:52
